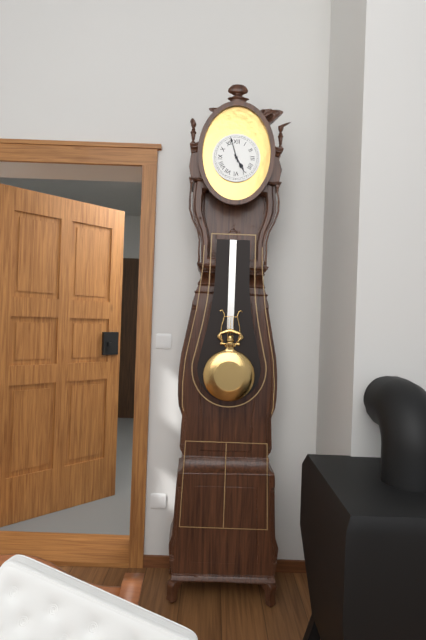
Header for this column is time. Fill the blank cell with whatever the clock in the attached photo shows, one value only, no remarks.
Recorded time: 4:57
